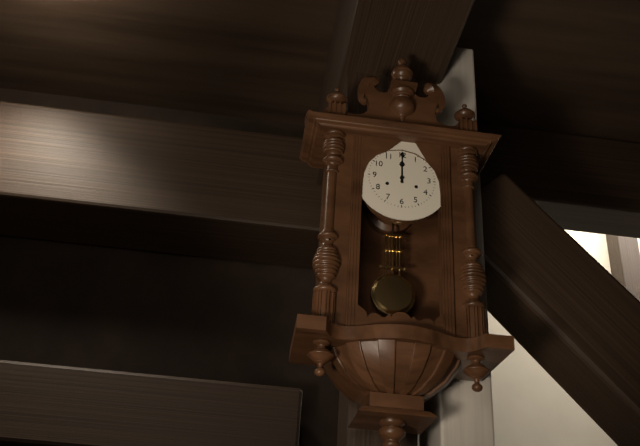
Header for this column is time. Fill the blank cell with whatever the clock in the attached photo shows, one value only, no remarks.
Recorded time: 12:00
